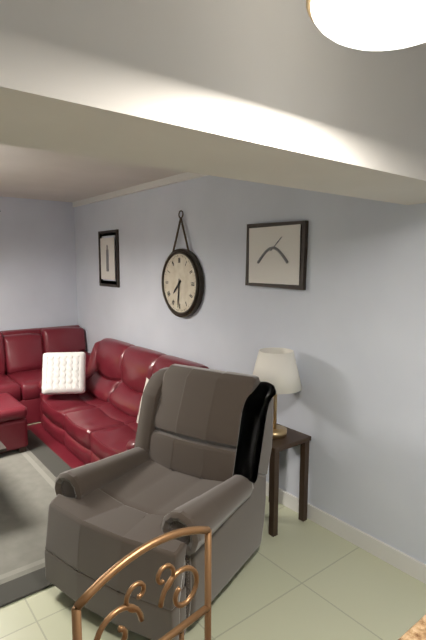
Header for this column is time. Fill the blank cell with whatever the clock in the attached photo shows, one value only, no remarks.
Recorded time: 7:31
